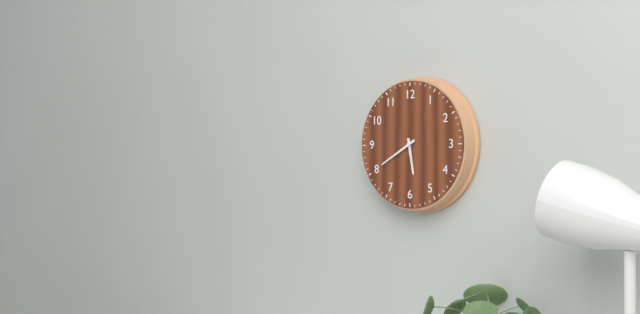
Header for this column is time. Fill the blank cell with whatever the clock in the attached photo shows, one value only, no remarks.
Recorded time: 5:40
